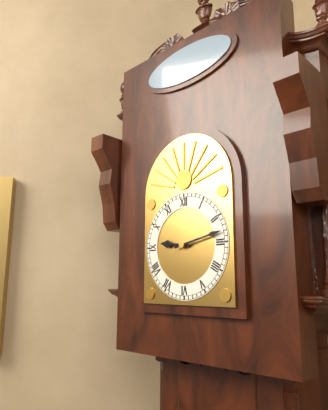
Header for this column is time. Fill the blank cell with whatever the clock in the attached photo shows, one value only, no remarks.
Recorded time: 9:13
